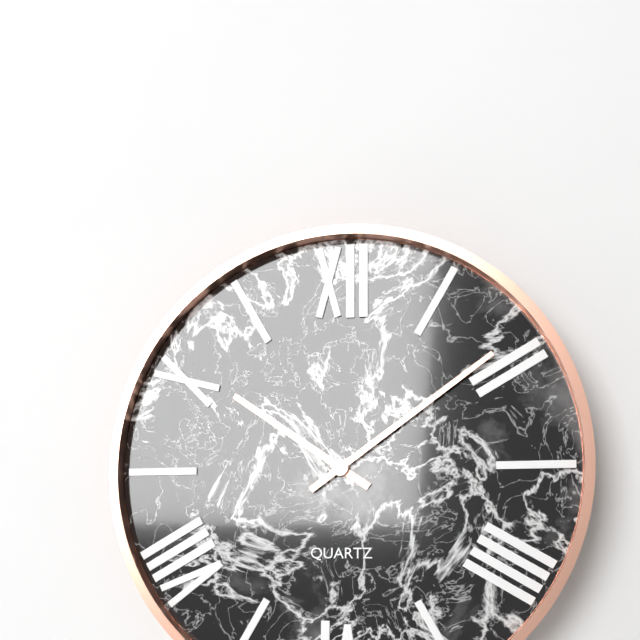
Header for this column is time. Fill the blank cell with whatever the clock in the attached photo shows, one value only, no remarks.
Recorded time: 10:09
